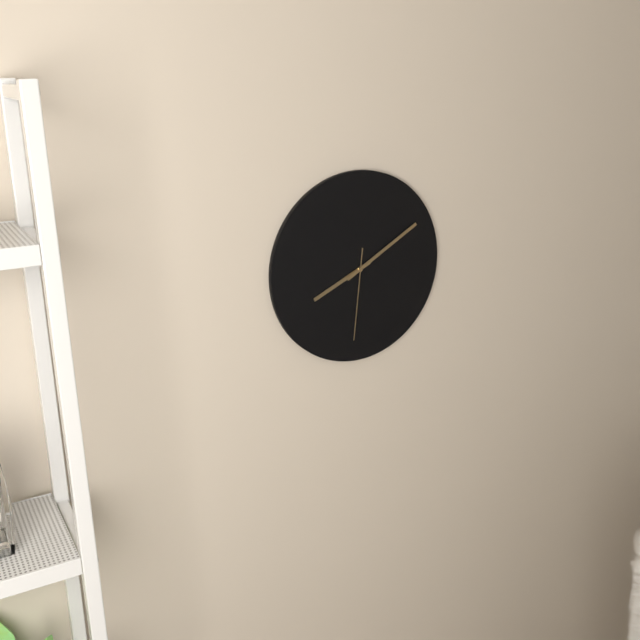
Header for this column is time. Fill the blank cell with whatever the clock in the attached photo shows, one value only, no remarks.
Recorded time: 8:10:31
